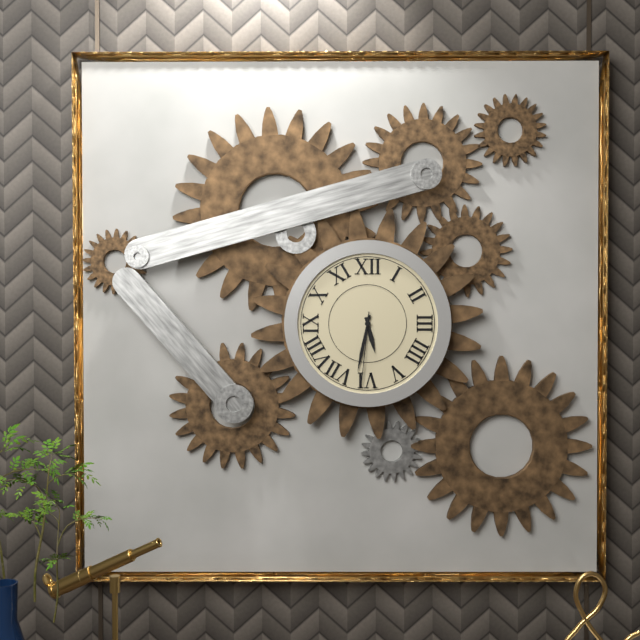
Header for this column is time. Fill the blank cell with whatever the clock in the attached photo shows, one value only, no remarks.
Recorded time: 5:32:31
